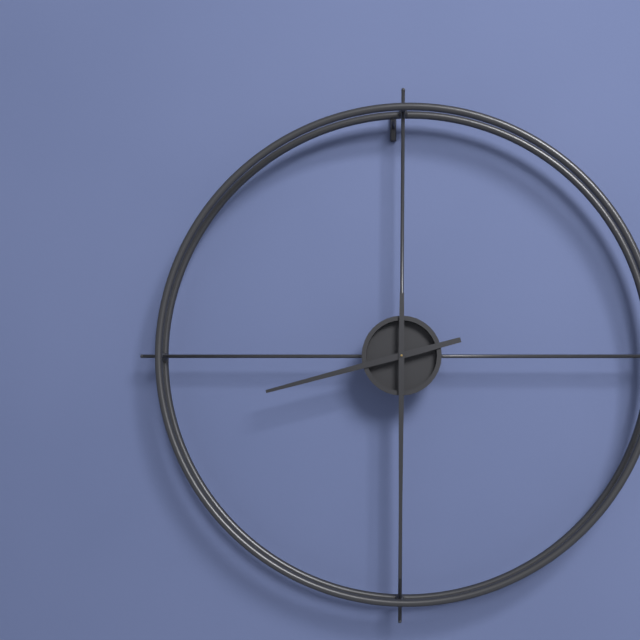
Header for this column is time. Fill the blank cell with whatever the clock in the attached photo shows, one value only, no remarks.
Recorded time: 8:30
